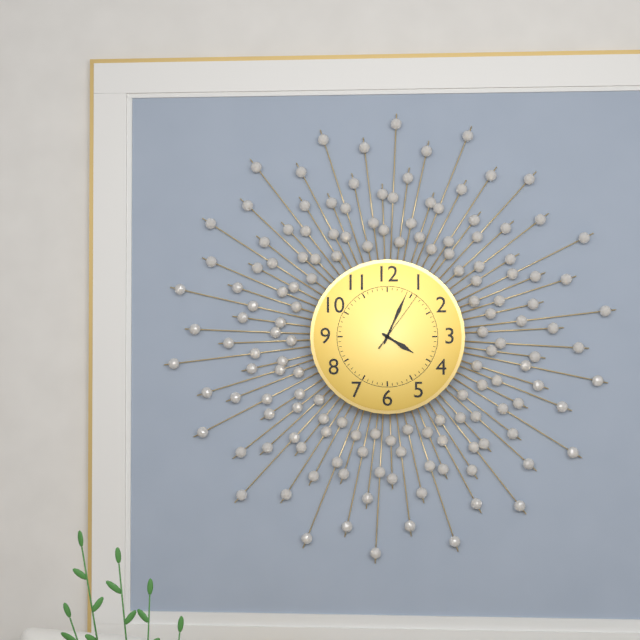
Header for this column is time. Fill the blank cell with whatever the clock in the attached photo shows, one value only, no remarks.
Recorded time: 4:04:06
